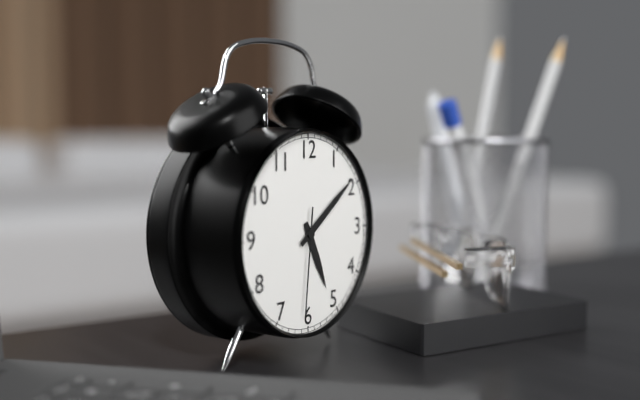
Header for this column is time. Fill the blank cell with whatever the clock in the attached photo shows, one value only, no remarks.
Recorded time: 5:09:31
